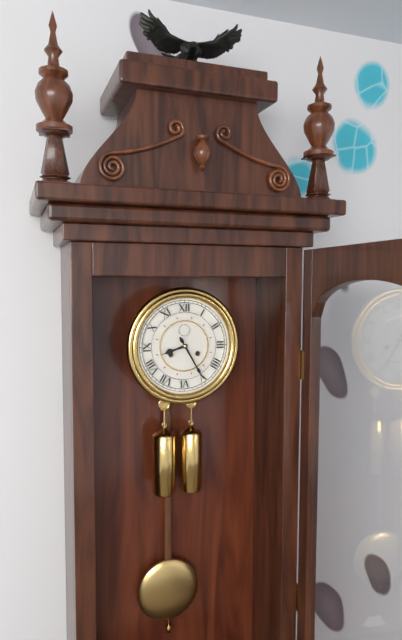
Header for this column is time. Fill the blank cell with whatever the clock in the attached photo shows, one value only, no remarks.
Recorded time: 8:25
